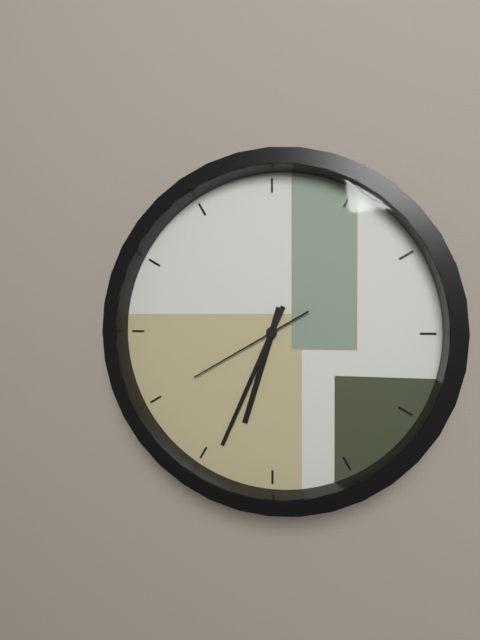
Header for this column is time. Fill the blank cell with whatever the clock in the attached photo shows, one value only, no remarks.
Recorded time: 6:34:40
